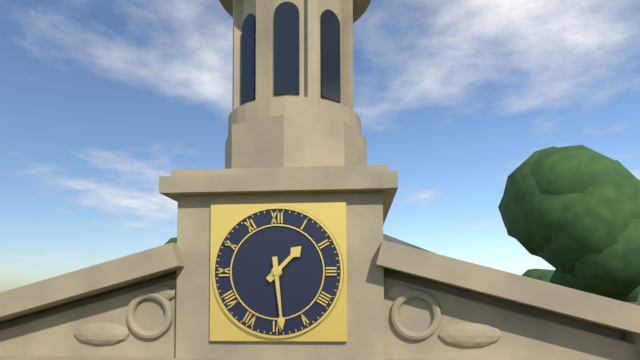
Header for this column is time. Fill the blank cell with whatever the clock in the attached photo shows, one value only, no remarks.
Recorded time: 1:29
